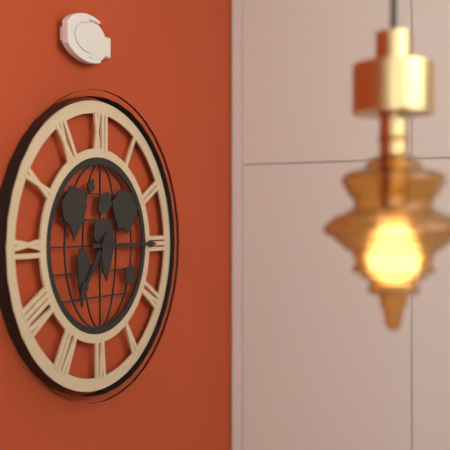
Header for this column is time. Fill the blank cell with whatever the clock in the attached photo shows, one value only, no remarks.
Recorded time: 7:15
